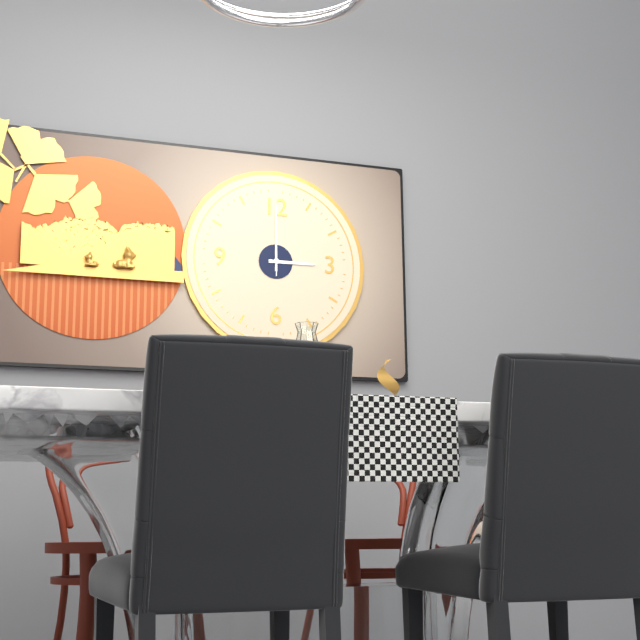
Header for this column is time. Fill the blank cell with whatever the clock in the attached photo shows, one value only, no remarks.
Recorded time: 3:00:00
